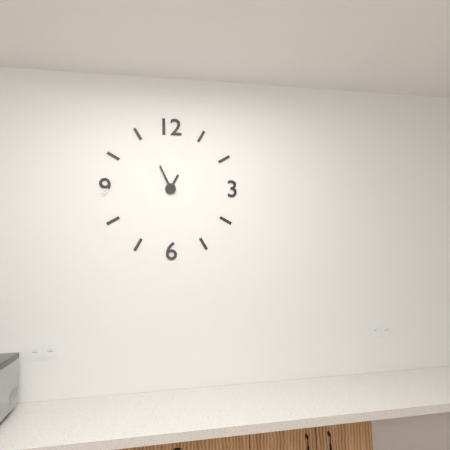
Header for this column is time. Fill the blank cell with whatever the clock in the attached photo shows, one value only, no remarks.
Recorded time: 12:56
